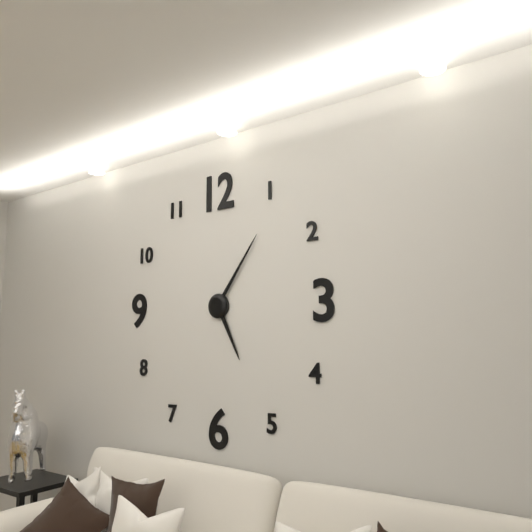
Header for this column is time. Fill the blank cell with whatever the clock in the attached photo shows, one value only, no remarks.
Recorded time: 5:06
